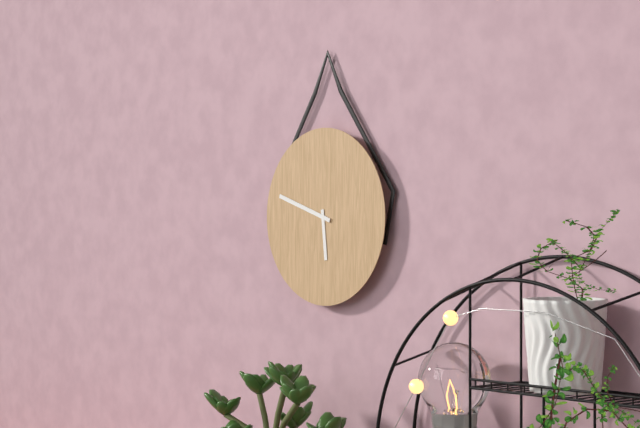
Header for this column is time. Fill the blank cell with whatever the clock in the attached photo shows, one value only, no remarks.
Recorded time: 5:48
